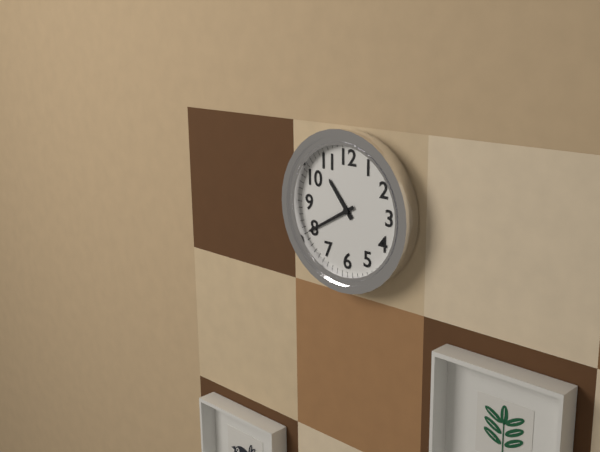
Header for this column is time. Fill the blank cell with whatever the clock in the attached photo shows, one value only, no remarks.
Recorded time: 10:40
